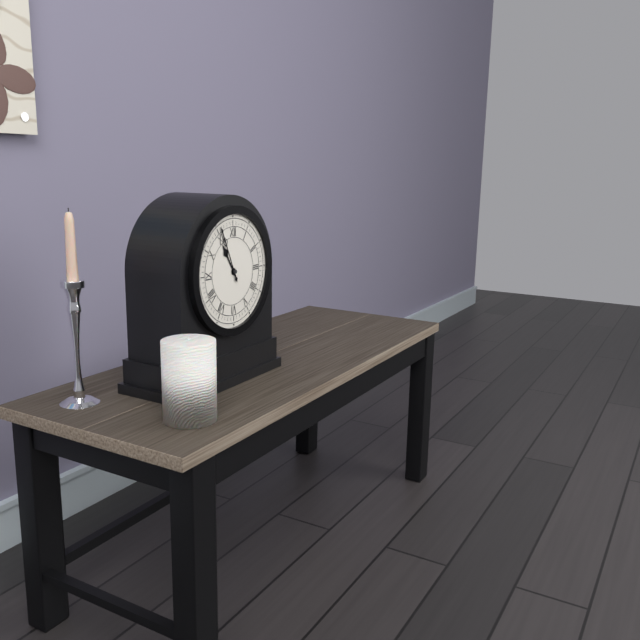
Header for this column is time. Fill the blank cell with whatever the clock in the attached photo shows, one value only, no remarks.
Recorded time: 10:56
